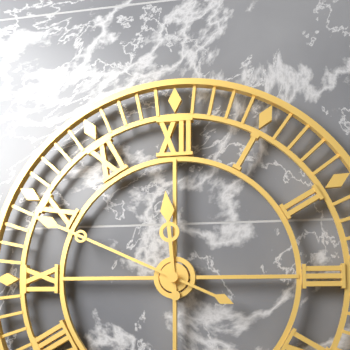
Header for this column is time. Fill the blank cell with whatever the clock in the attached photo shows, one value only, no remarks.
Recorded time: 11:49
